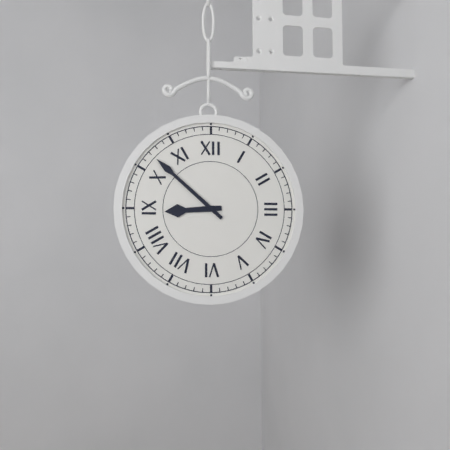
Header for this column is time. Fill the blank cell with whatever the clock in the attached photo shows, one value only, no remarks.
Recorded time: 8:52
